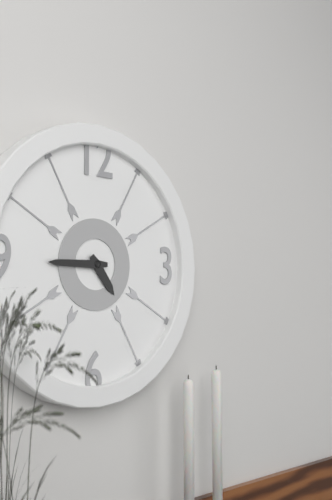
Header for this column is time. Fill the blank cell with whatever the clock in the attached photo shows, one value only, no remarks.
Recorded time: 4:45
